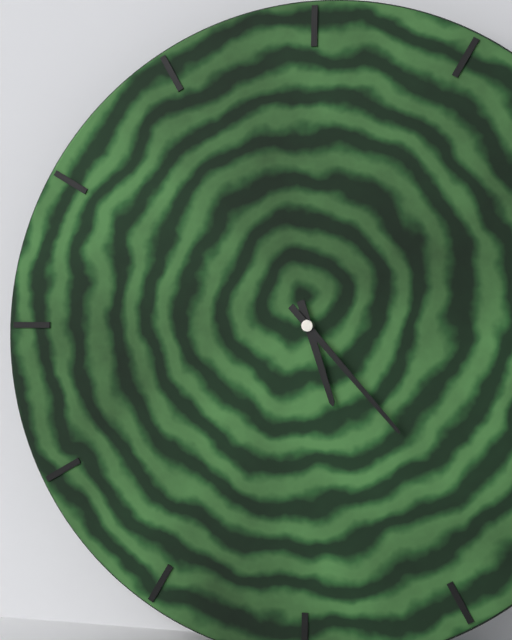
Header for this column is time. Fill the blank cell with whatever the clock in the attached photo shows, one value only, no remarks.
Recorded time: 5:23
